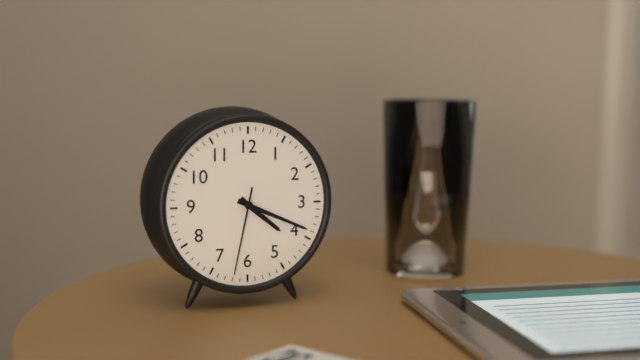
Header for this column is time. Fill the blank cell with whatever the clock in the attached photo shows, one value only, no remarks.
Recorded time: 4:19:32
